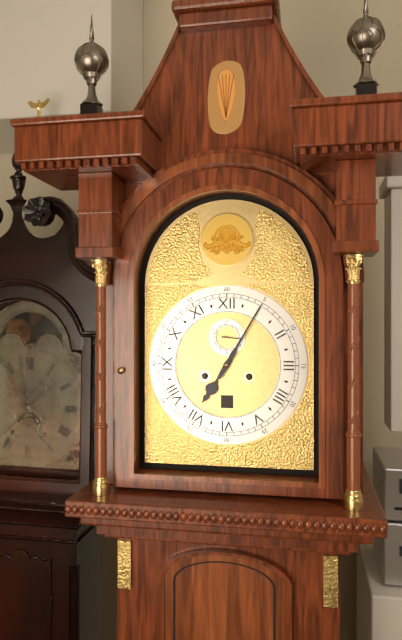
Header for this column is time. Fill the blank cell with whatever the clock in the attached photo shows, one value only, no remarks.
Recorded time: 7:05
